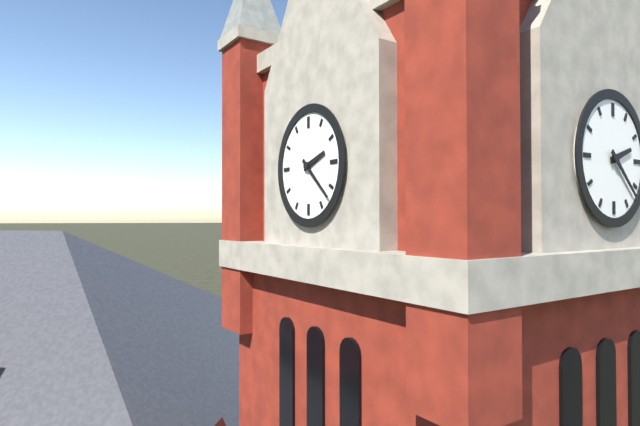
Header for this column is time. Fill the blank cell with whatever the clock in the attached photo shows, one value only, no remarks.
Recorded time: 2:22
